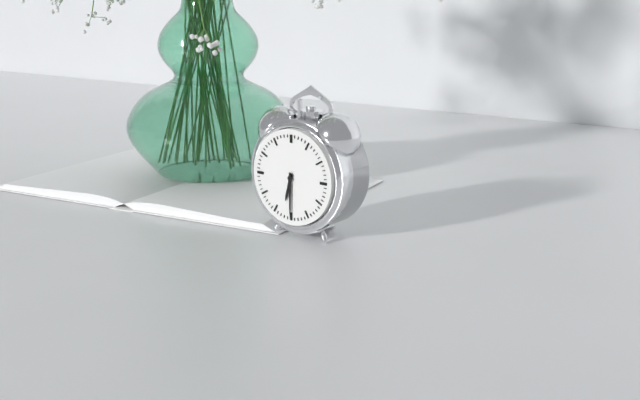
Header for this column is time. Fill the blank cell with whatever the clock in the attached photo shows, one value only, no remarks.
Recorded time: 6:30
